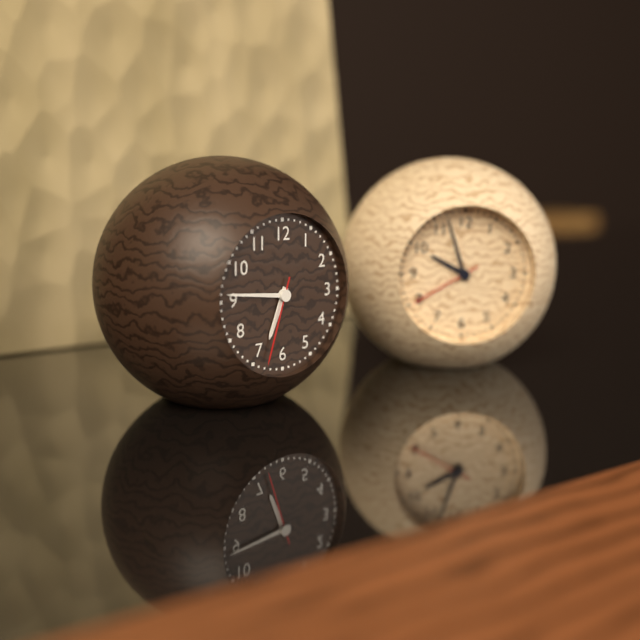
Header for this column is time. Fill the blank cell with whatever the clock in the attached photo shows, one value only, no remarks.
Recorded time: 6:46:33
